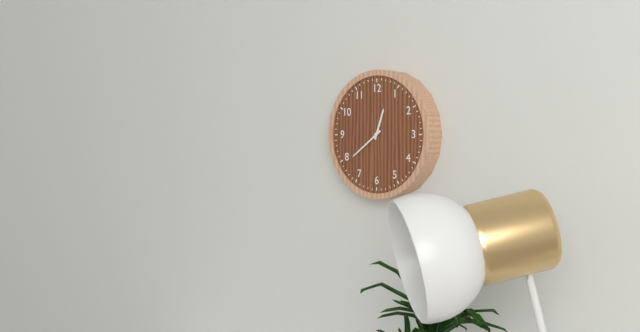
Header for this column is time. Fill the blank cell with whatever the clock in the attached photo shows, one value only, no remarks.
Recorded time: 12:39
